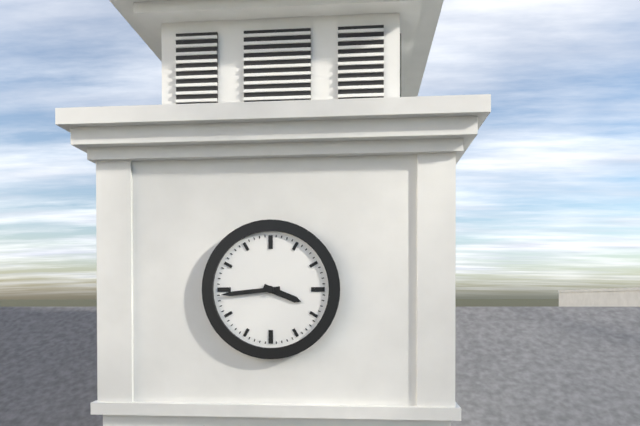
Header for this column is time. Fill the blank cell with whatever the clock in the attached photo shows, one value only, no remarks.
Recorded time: 3:44
